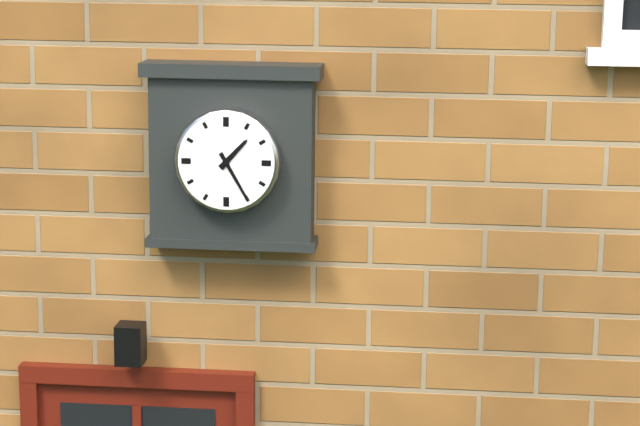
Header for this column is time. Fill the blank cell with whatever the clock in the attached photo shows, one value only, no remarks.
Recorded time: 1:25
